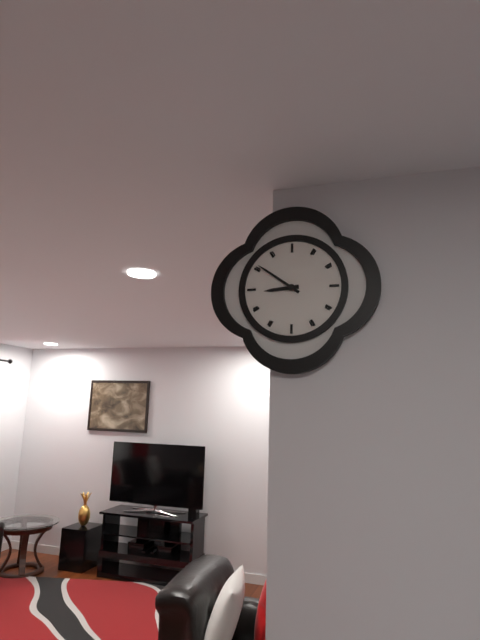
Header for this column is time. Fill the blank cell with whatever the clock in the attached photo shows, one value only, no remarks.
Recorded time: 8:51
